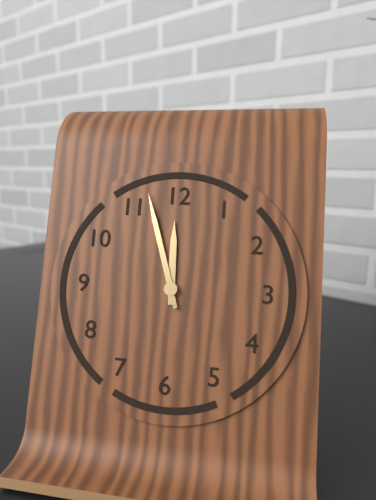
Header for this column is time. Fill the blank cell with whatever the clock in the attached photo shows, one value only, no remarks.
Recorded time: 11:57
